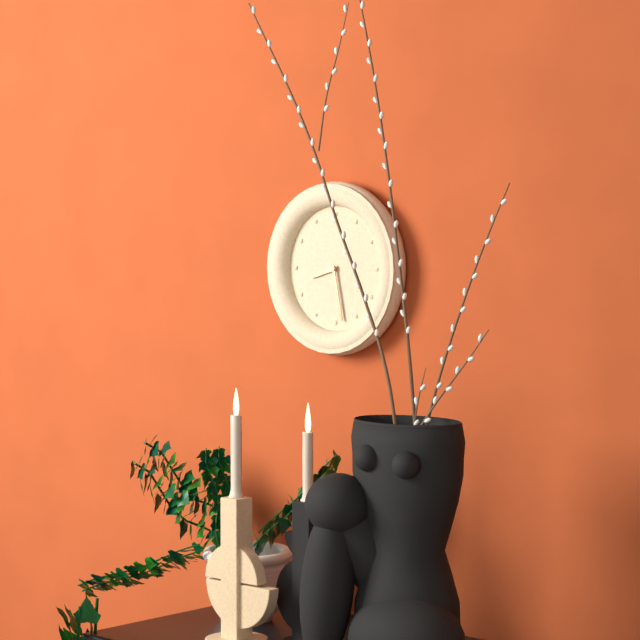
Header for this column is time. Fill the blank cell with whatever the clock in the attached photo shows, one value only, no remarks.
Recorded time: 8:28
